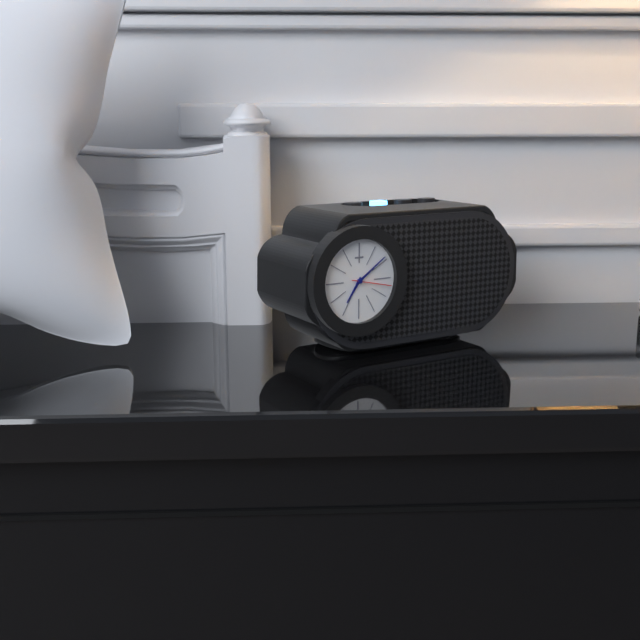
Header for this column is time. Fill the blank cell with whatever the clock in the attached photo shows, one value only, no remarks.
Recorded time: 7:09:17
